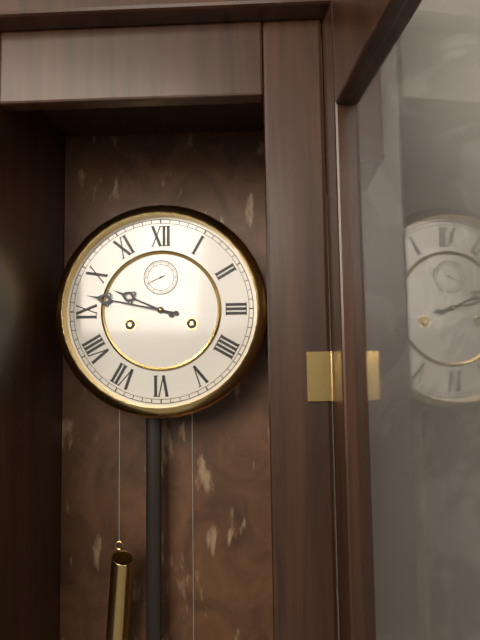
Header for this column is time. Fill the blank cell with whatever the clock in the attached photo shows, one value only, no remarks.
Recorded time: 9:47
